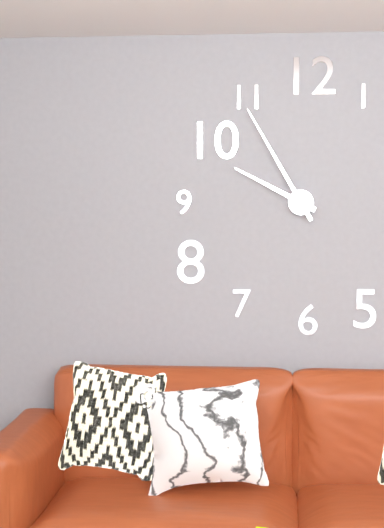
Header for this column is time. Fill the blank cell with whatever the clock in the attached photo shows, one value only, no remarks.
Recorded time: 9:55
